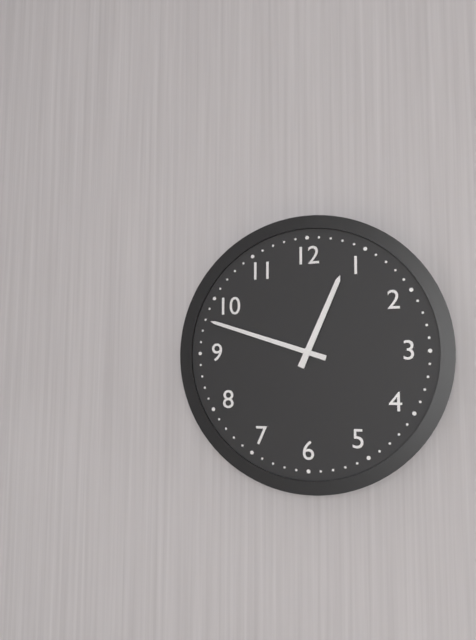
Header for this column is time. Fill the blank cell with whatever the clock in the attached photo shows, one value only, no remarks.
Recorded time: 12:48
